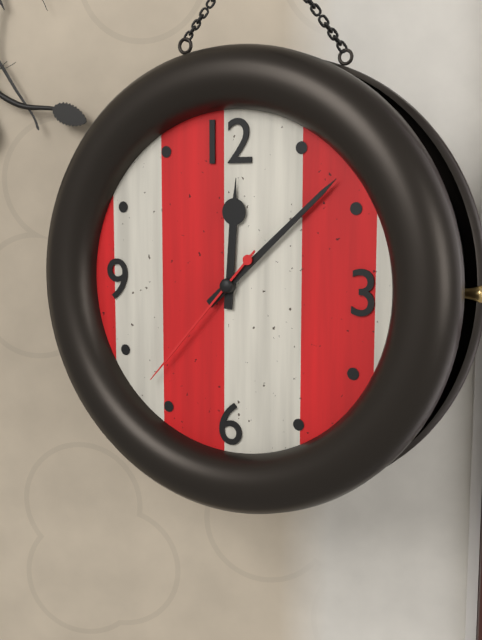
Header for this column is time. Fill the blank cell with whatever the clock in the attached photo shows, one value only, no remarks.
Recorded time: 12:08:37
